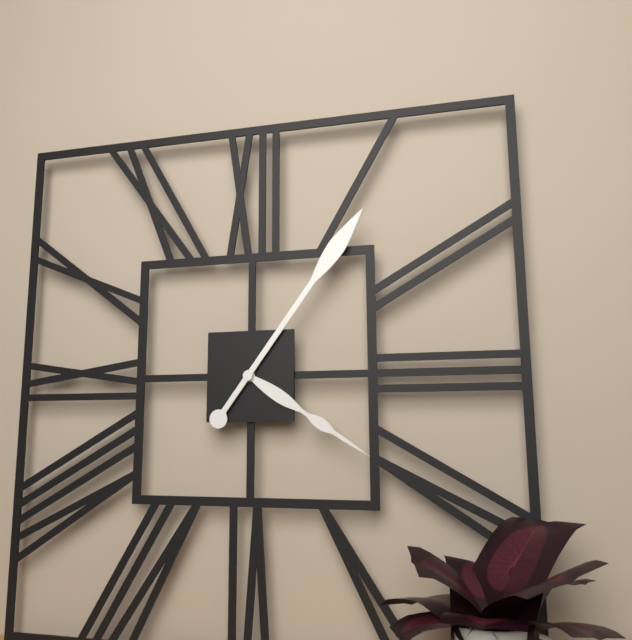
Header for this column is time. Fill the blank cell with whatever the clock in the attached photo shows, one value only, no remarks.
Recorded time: 4:06
